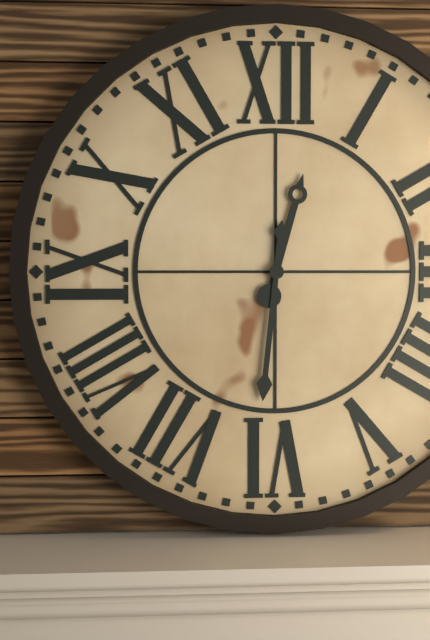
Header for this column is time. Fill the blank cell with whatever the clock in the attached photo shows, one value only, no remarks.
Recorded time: 12:31
